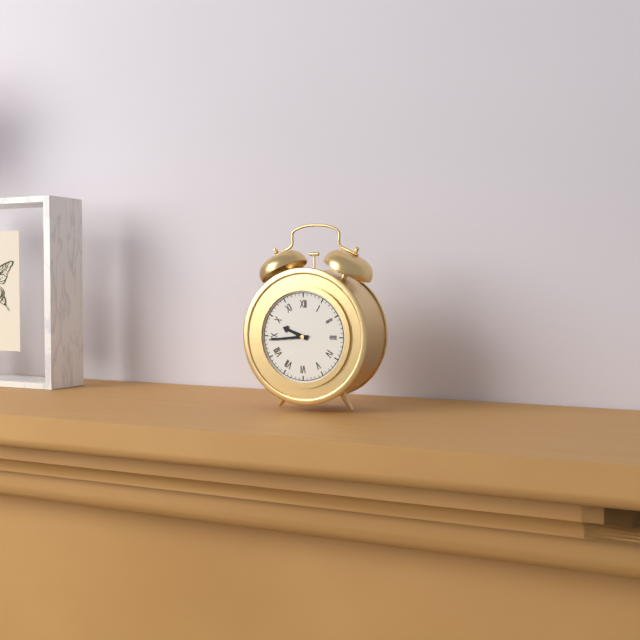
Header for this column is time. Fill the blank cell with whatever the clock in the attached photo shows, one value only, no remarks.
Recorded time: 9:44
